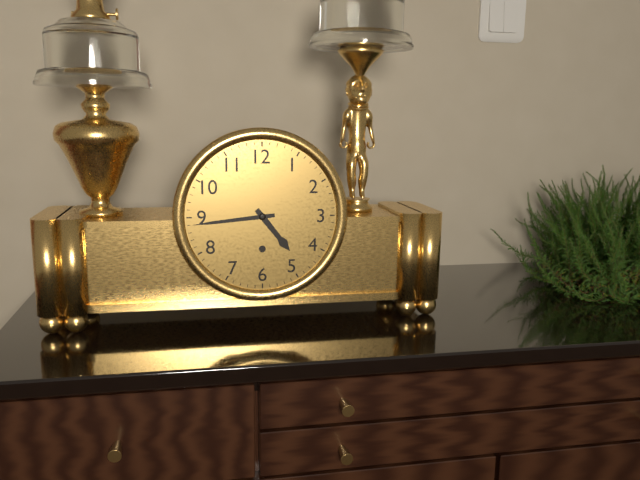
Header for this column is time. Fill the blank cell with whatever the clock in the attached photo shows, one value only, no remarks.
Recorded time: 4:44
